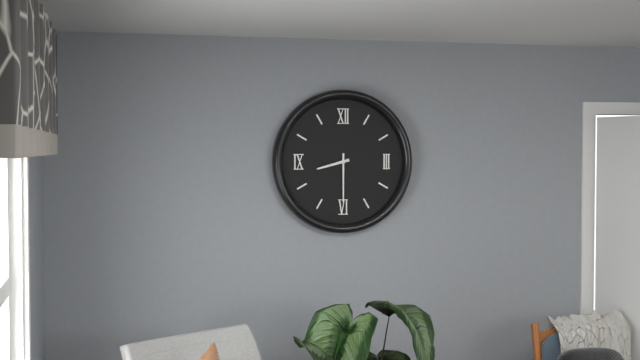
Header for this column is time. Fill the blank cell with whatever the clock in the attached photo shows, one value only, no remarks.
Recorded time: 8:30
